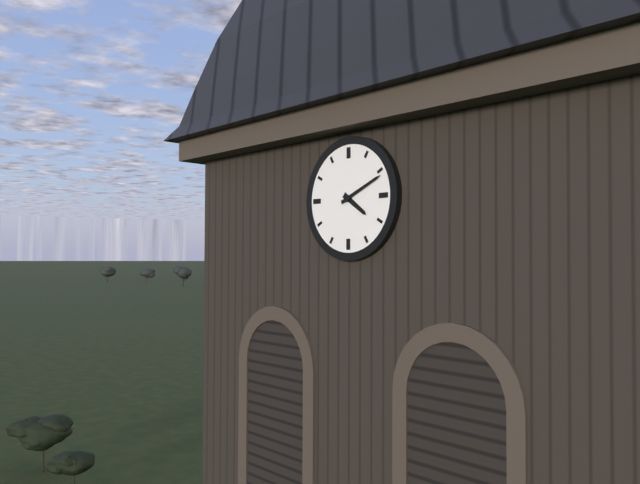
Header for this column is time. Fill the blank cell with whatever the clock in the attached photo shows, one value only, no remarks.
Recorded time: 4:11
